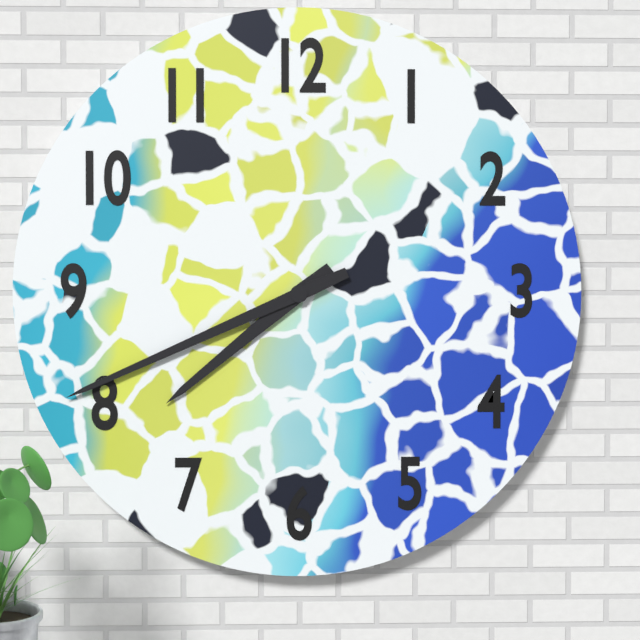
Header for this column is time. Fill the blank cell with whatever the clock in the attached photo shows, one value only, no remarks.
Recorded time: 7:41
